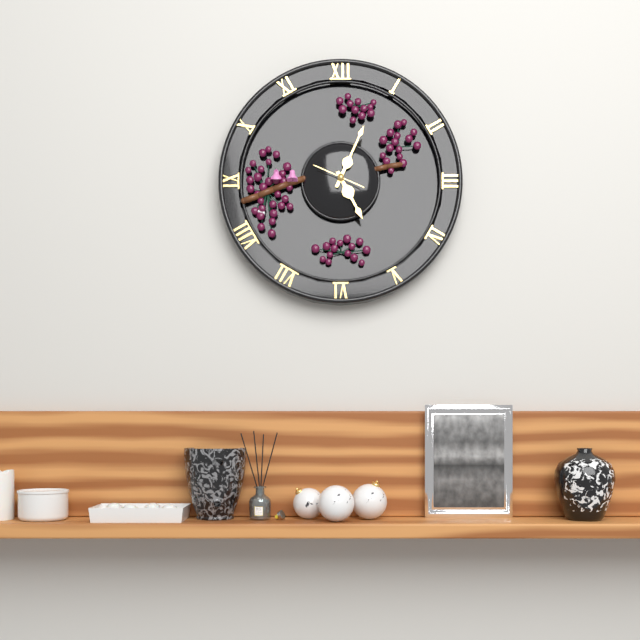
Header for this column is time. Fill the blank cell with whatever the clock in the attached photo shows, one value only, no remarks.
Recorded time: 5:04
